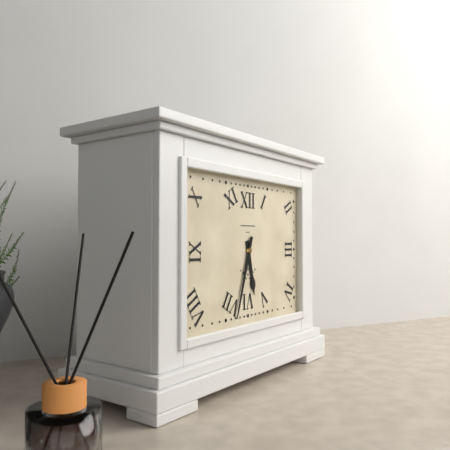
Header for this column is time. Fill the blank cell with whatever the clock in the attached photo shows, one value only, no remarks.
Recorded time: 5:33
